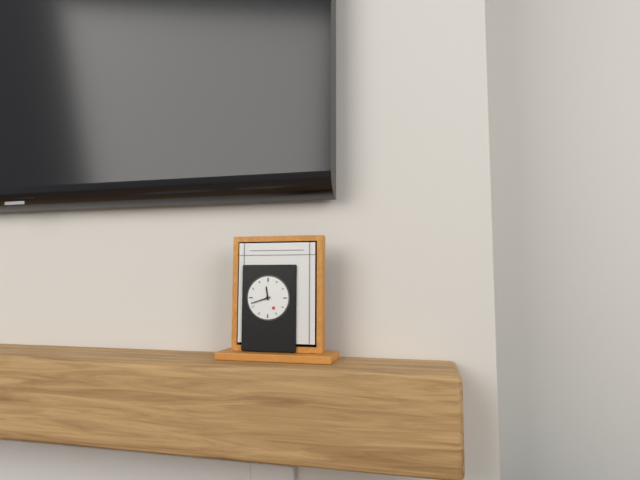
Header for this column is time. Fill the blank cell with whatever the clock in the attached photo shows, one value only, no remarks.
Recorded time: 11:42
